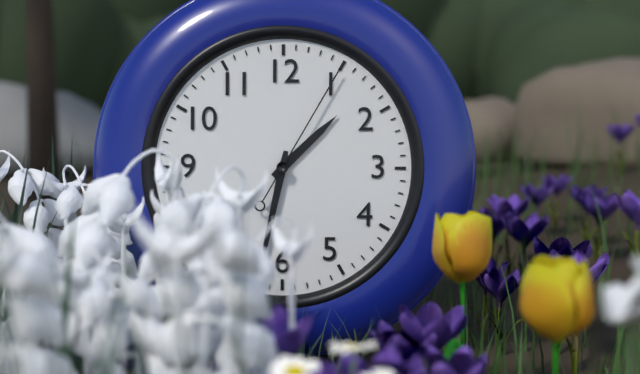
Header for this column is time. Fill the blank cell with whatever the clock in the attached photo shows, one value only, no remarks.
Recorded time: 1:32:05
